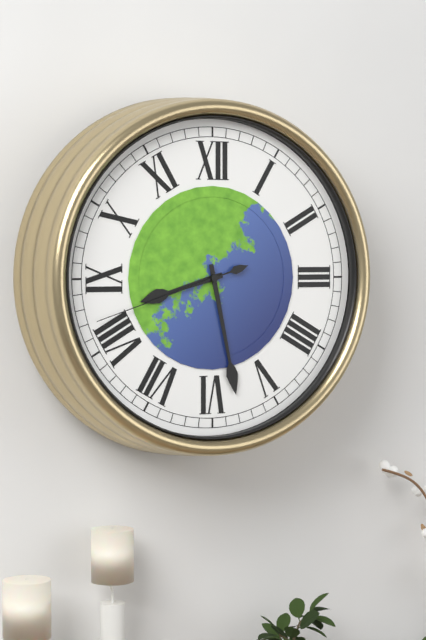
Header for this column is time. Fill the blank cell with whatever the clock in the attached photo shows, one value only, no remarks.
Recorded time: 8:28:42
